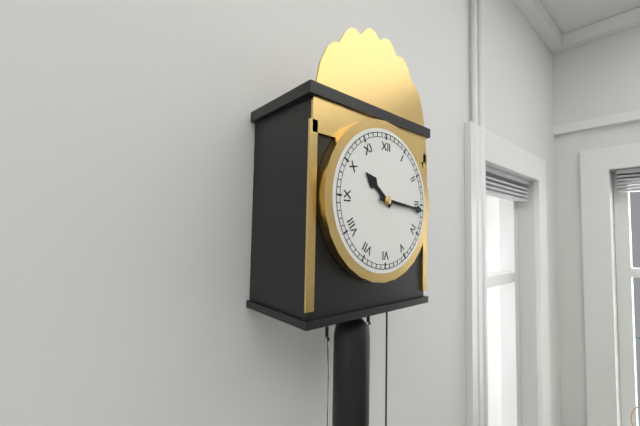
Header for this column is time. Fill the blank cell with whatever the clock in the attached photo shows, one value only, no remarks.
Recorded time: 10:16
